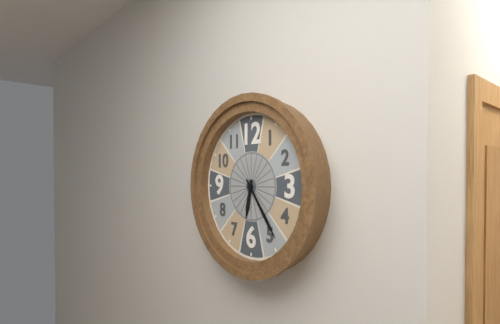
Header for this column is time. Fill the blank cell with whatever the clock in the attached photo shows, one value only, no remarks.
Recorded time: 6:24
